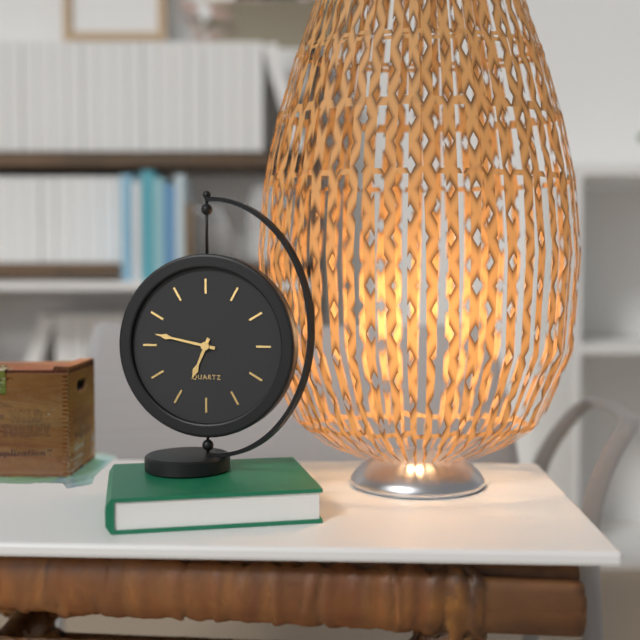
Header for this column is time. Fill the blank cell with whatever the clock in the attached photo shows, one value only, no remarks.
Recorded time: 6:47
